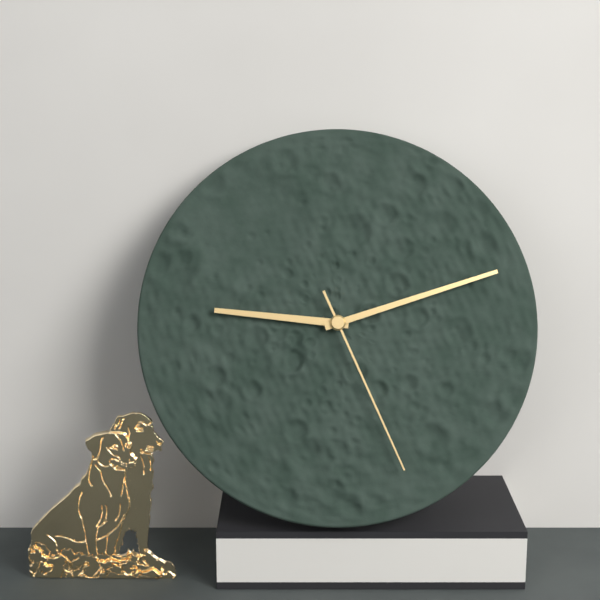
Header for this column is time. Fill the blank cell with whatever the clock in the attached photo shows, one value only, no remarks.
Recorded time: 9:12:26
